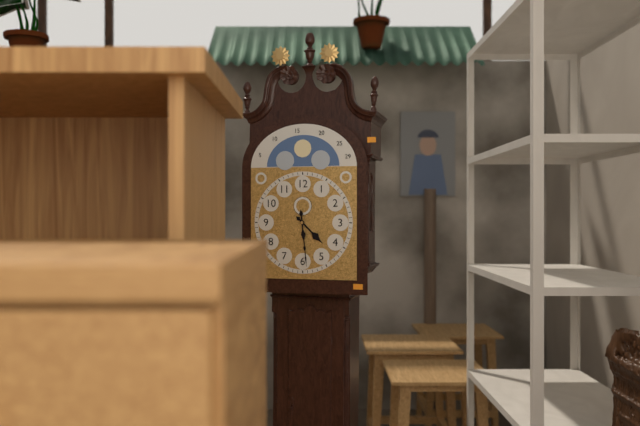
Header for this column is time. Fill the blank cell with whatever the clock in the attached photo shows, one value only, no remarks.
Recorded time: 4:29
